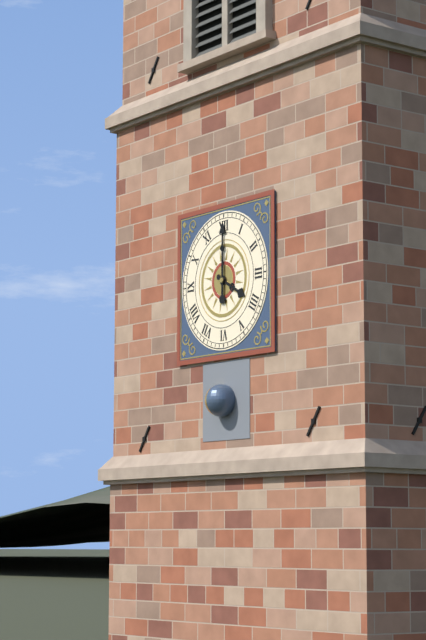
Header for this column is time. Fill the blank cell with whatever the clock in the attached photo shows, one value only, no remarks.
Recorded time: 4:00
